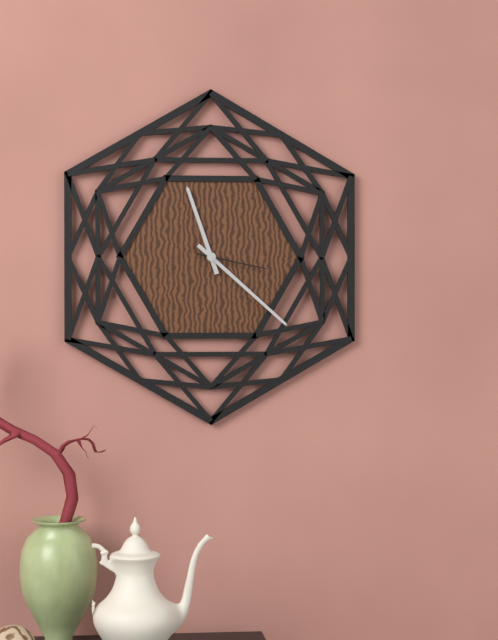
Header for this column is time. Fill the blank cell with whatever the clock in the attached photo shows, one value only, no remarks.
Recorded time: 11:22:17
